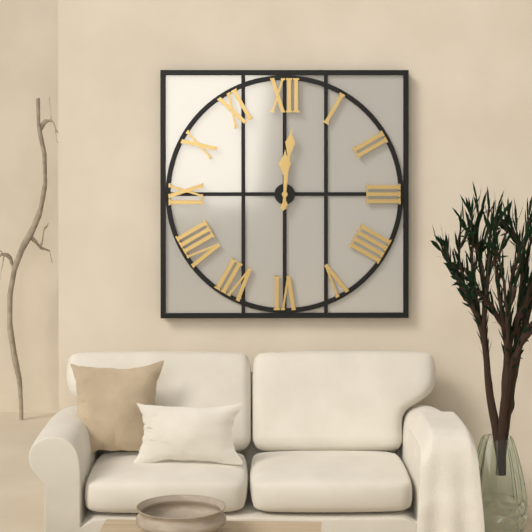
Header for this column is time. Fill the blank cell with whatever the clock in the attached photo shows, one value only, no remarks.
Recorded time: 12:01
